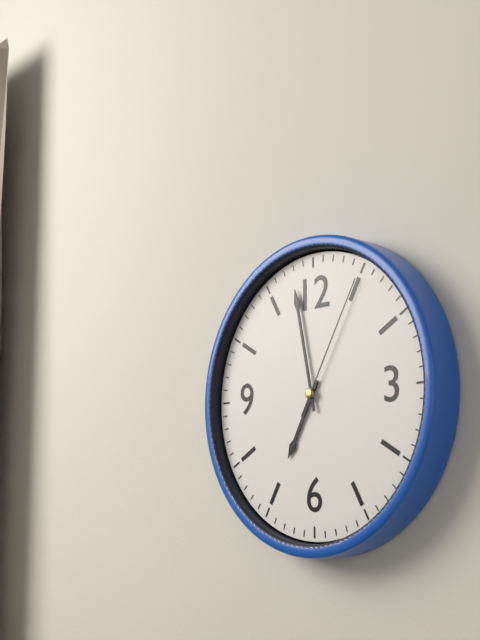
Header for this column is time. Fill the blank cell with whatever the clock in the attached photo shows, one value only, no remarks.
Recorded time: 6:58:05
